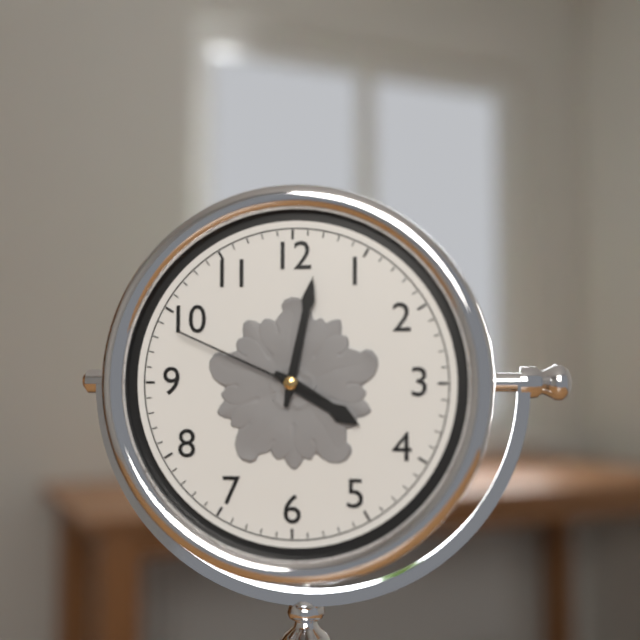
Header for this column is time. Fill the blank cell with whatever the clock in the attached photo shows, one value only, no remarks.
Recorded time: 4:02:49
